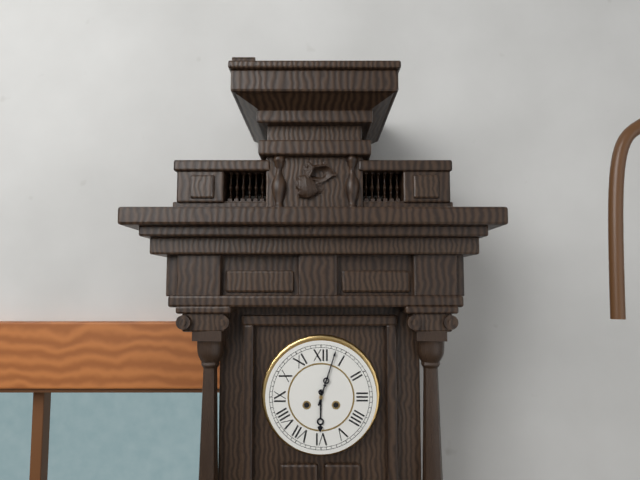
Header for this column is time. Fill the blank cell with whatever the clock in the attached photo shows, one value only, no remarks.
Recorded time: 6:03
